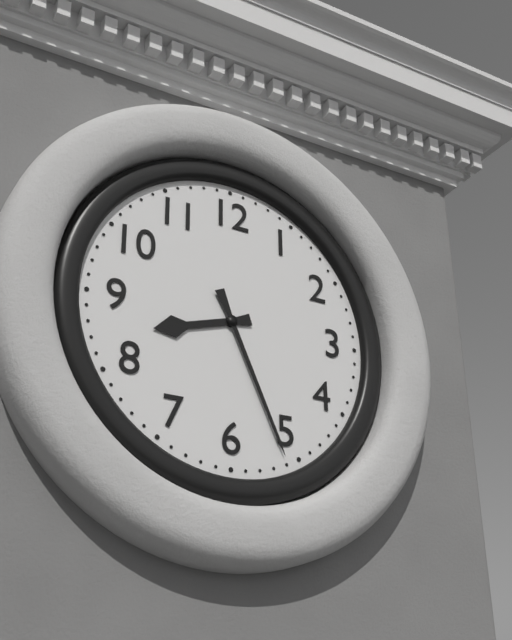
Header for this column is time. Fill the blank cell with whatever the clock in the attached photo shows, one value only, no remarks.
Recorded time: 8:26
